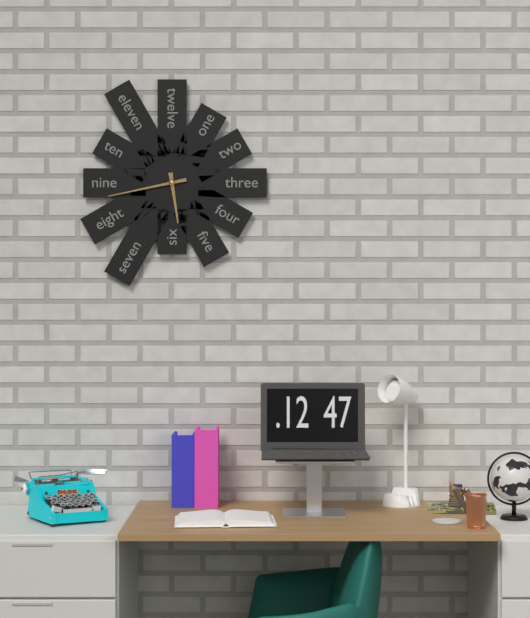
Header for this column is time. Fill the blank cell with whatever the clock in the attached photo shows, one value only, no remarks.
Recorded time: 5:43
